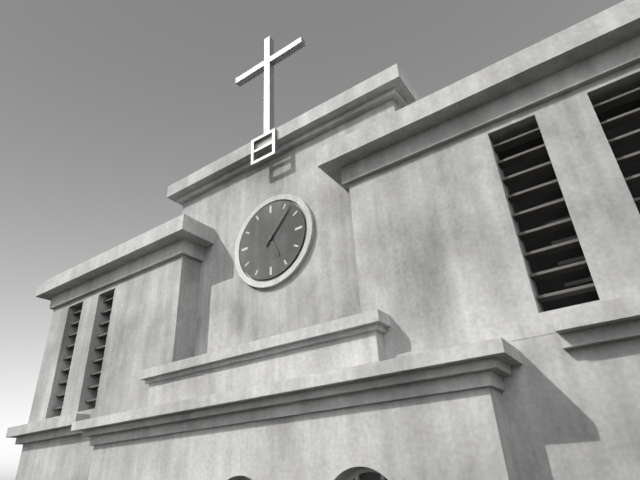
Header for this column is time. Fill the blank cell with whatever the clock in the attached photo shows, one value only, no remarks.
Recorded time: 5:07
